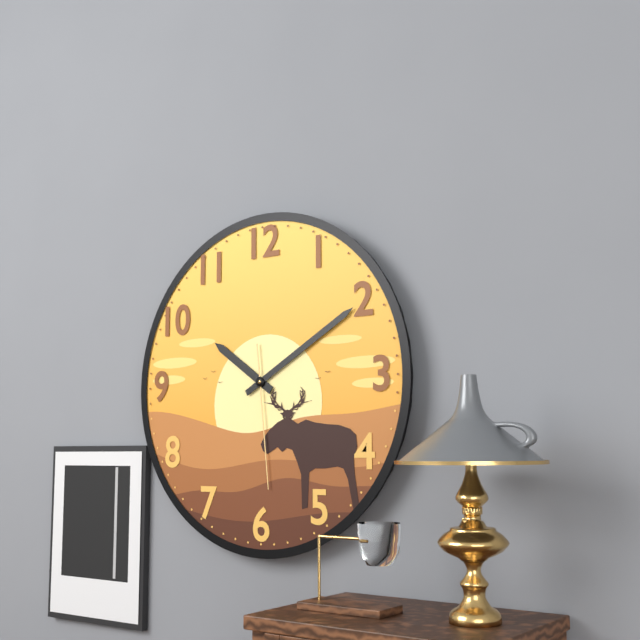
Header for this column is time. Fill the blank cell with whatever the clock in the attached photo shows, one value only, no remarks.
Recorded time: 10:10:29
